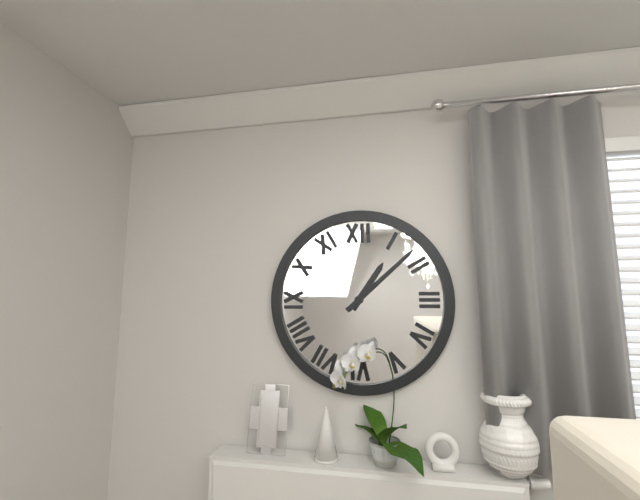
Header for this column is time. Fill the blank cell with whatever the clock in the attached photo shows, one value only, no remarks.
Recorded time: 1:08
